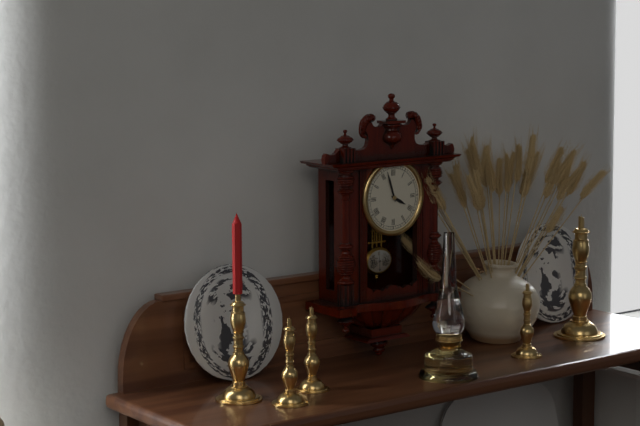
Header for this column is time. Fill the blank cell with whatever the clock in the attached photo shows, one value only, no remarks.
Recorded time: 3:57
